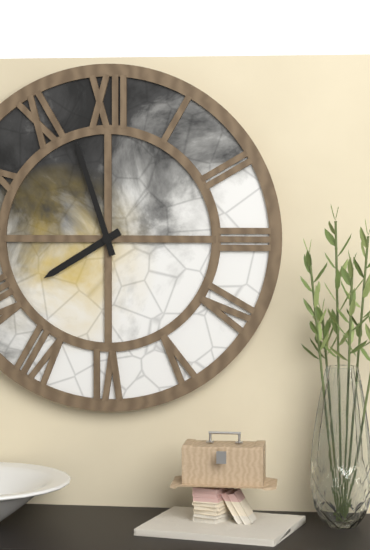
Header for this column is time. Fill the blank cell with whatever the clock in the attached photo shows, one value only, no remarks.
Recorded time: 7:57
